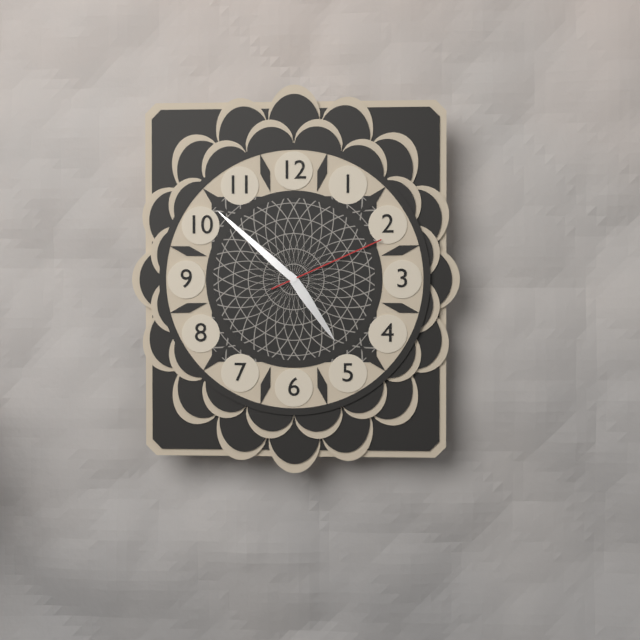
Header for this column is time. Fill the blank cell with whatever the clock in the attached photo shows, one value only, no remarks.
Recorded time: 4:52:11
